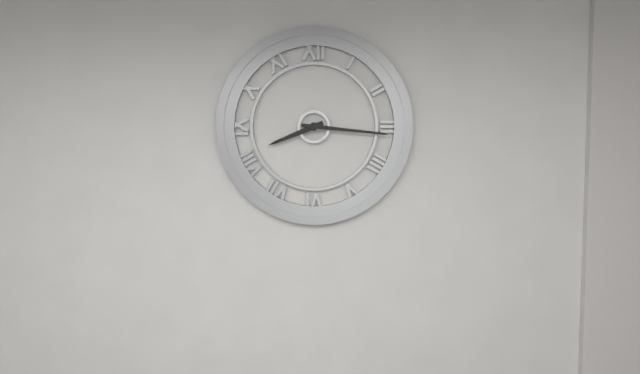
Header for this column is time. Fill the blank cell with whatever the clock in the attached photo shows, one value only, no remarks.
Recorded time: 8:16
